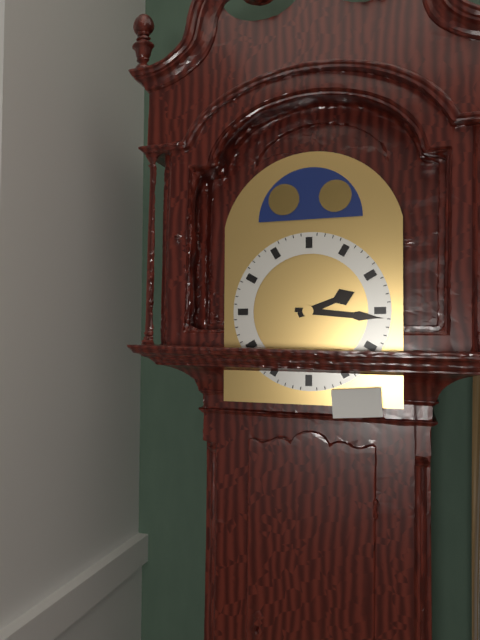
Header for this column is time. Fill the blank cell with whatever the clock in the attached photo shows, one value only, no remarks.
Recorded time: 2:16
